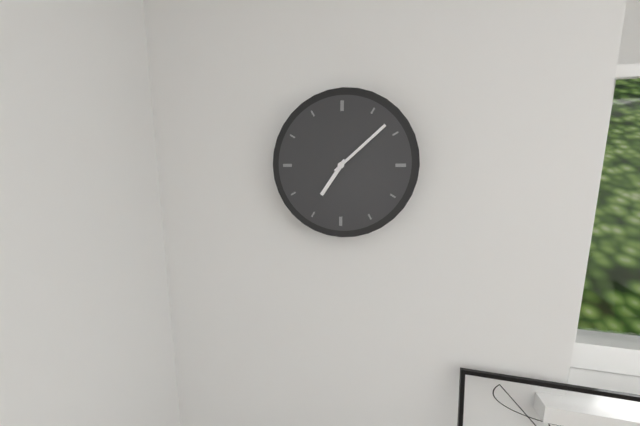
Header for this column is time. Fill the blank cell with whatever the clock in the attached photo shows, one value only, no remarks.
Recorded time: 7:08
